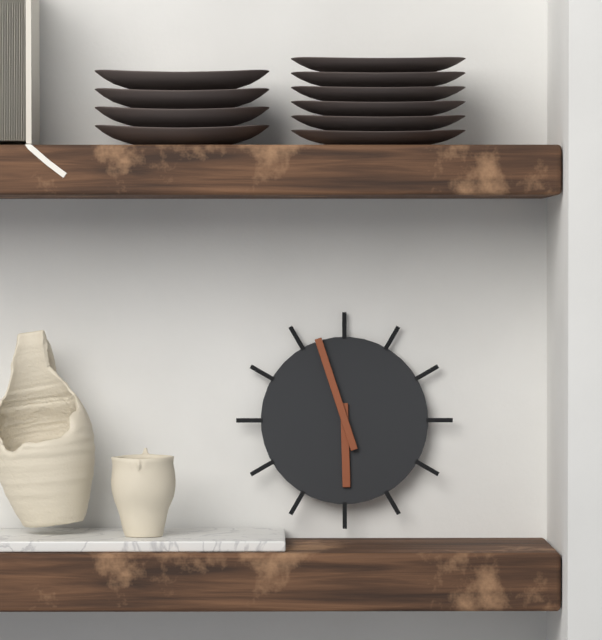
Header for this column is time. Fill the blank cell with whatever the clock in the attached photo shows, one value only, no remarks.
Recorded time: 5:57
